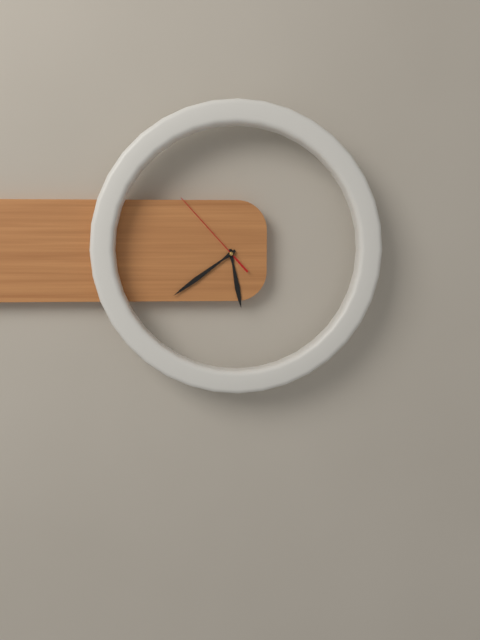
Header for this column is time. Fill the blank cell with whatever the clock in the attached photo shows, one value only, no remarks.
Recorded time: 5:39:53
